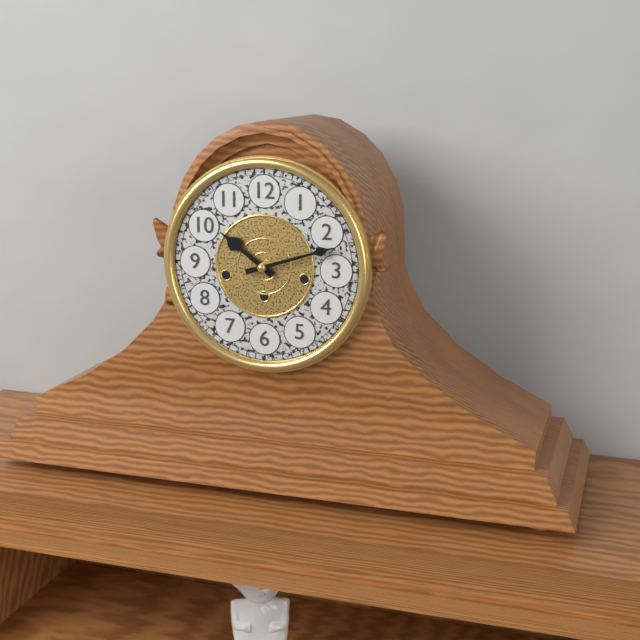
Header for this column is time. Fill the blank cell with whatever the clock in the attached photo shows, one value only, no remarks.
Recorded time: 10:12
